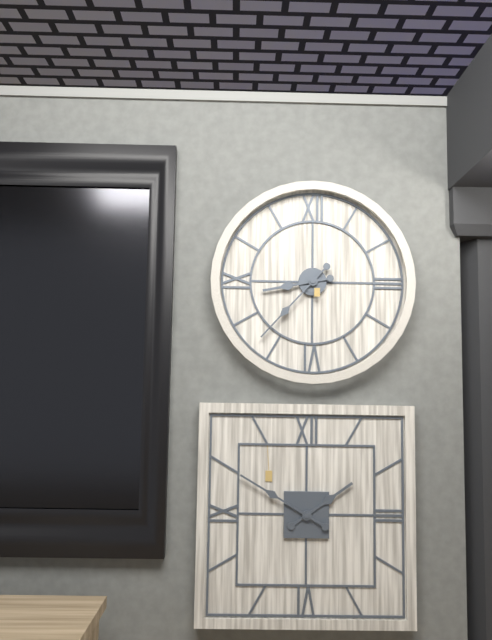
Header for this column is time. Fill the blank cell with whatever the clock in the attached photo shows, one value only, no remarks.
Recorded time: 8:37
